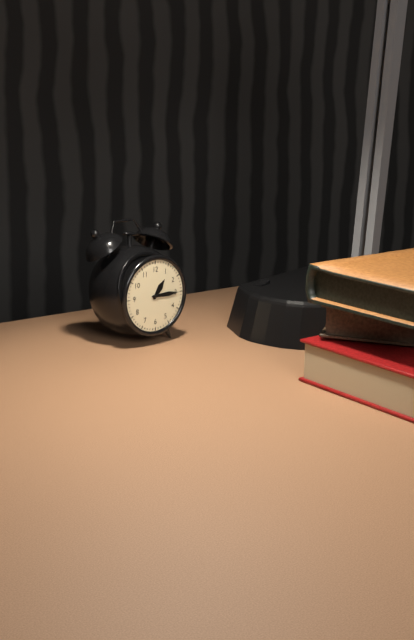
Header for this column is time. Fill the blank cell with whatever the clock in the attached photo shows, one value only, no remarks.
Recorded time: 1:15
